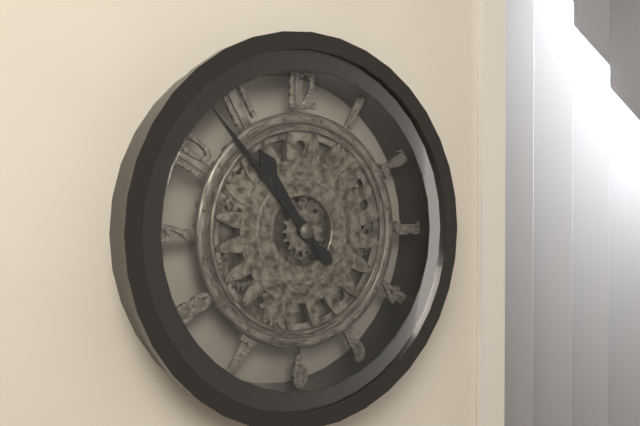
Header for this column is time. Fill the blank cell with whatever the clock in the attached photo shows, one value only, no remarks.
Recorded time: 10:53
